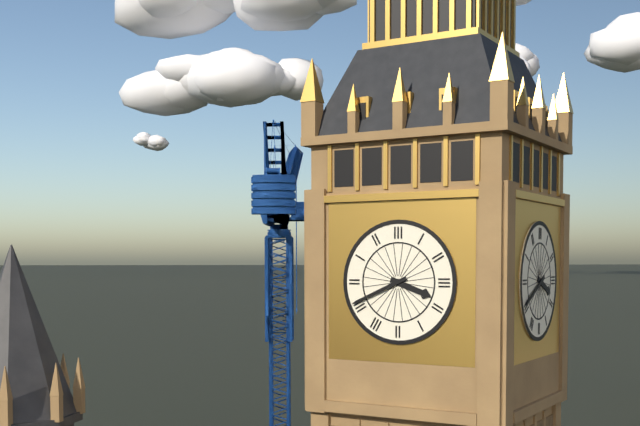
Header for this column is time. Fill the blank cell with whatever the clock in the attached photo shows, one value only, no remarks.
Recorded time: 3:41
